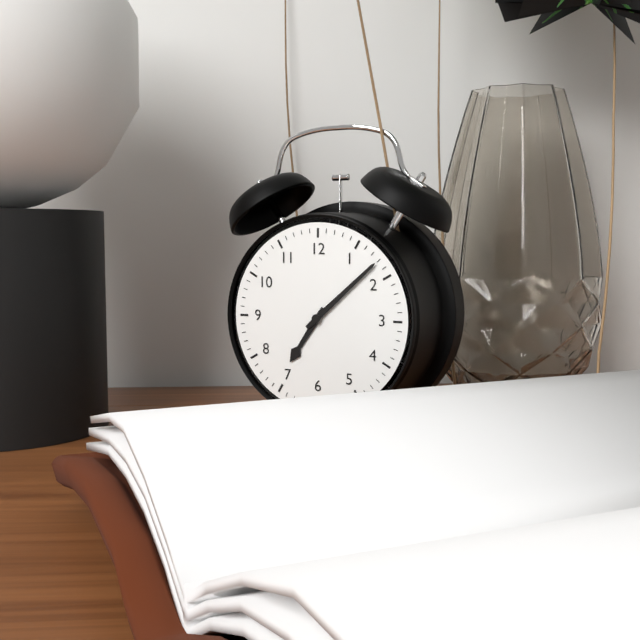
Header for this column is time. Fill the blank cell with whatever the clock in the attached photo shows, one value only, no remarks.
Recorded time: 7:08
